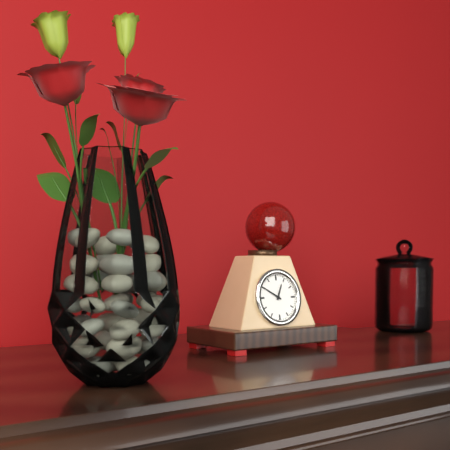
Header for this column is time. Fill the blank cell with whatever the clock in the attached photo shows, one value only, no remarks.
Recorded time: 12:50
